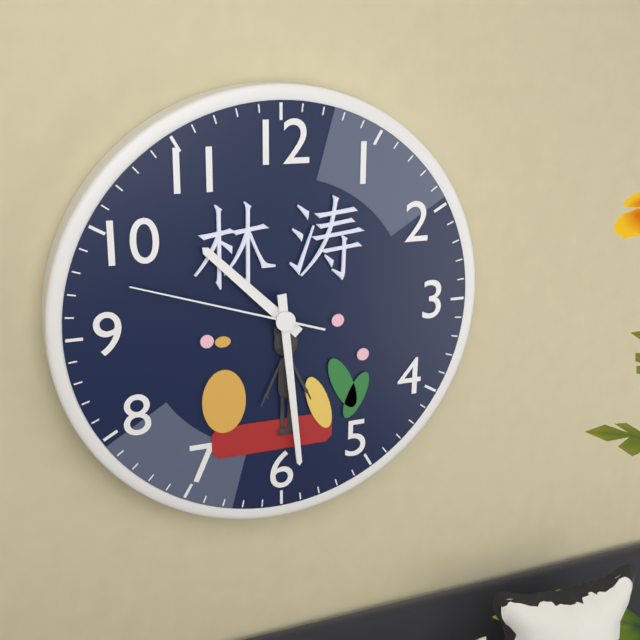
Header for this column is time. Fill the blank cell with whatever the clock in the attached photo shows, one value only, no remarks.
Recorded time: 10:29:48
